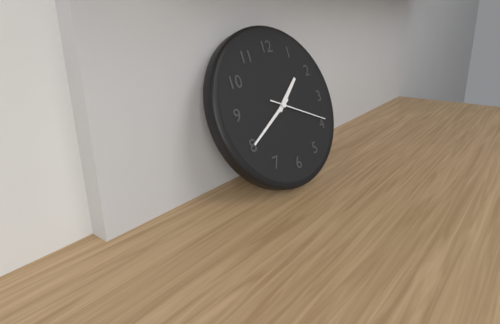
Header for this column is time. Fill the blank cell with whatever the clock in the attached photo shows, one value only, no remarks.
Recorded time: 1:40:19
